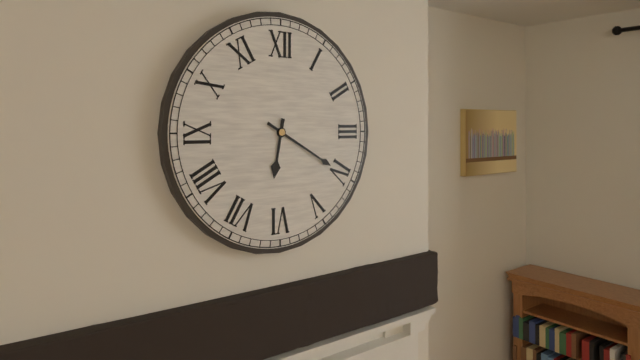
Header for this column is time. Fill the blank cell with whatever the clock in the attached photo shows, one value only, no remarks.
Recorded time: 6:20
